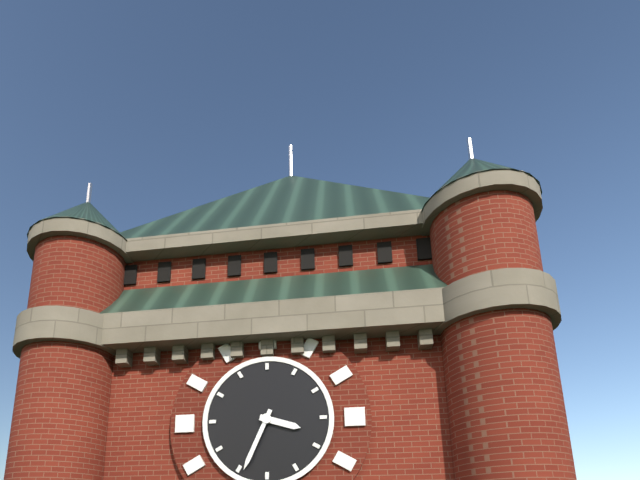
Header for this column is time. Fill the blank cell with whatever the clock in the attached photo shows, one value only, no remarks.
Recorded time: 3:34
